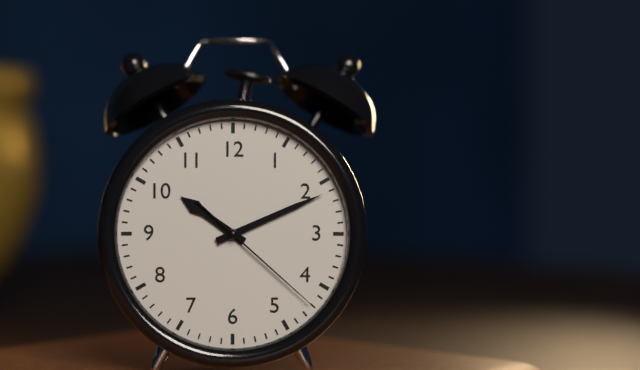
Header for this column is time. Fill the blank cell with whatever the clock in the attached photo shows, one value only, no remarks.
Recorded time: 10:11:22
